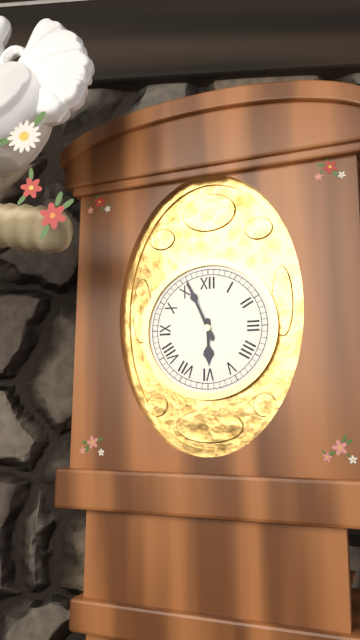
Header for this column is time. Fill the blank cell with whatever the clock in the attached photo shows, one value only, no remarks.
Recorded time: 5:56
